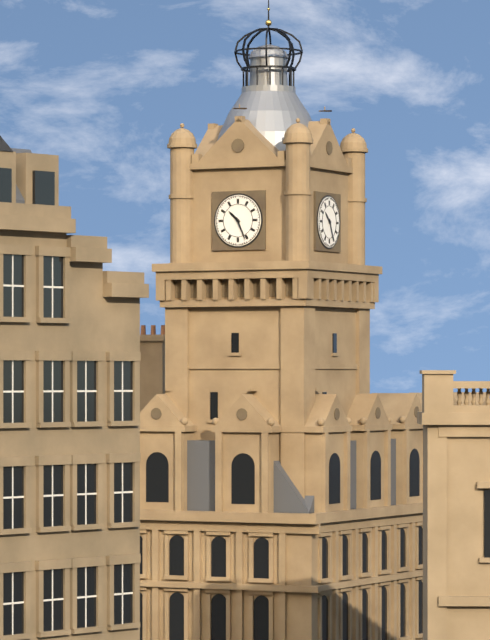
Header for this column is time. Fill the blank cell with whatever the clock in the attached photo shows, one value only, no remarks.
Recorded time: 10:26
